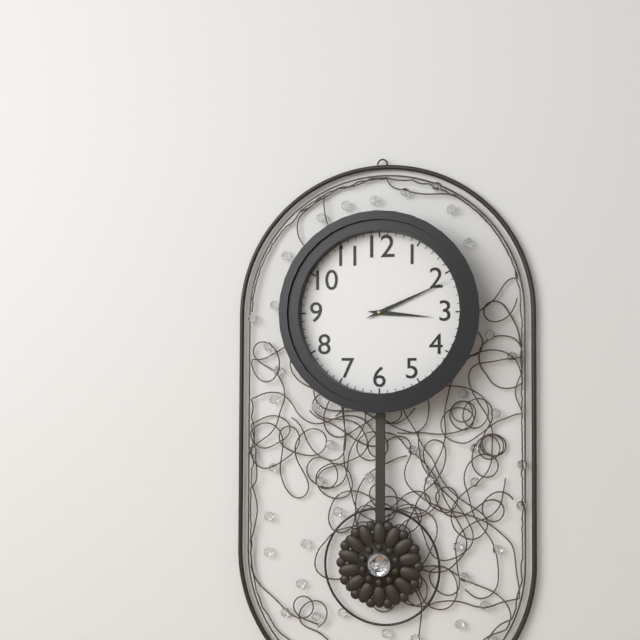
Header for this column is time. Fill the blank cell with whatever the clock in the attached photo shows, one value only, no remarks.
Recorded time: 3:11
